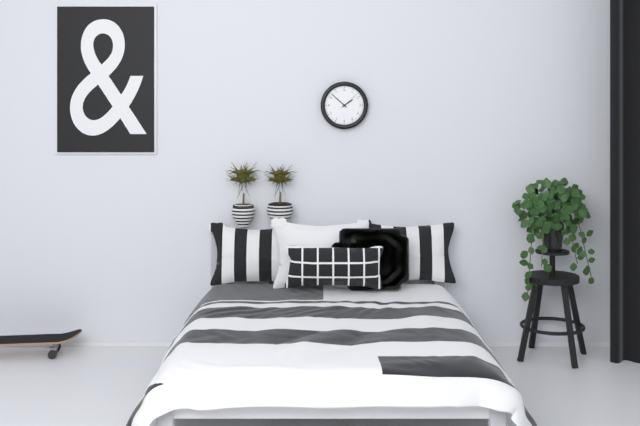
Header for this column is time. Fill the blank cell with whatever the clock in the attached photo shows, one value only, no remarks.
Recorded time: 1:52
